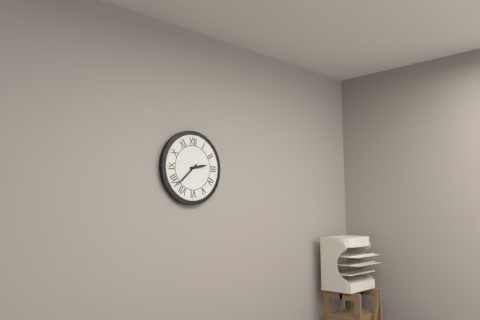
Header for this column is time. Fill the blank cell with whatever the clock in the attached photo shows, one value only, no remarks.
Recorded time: 2:38
